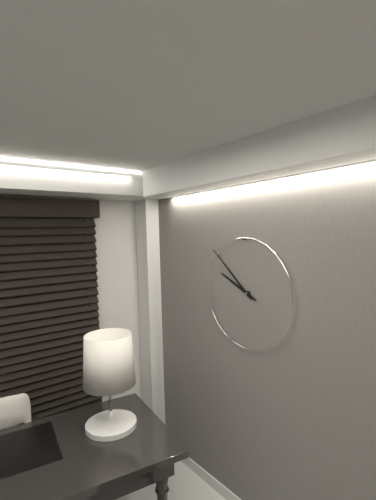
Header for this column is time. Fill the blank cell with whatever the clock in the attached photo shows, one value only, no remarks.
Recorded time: 9:52
